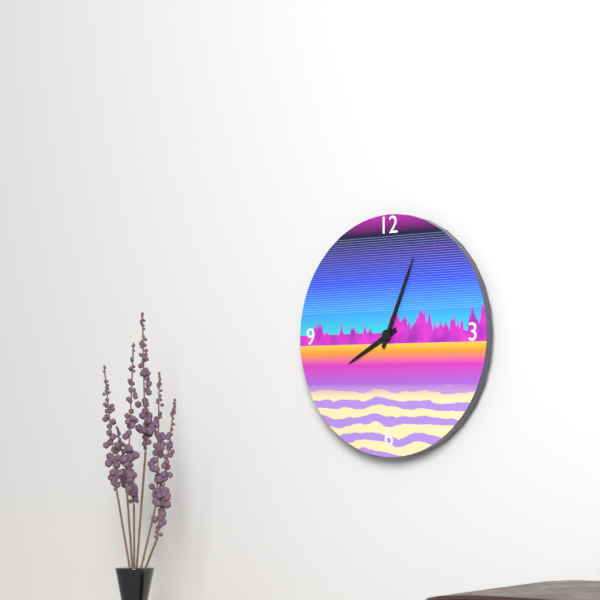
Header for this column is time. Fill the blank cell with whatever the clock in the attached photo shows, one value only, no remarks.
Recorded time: 8:04
